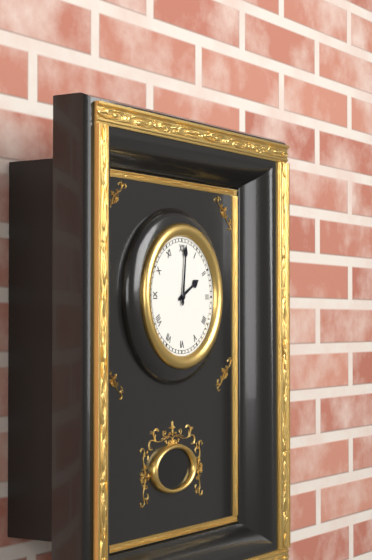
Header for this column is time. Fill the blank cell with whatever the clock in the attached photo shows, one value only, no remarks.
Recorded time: 2:01
